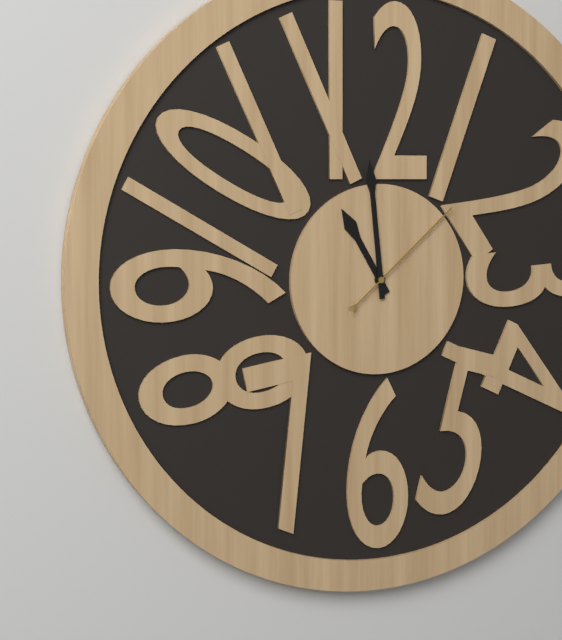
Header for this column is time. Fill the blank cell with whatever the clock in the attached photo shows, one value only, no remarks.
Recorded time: 10:59:08
